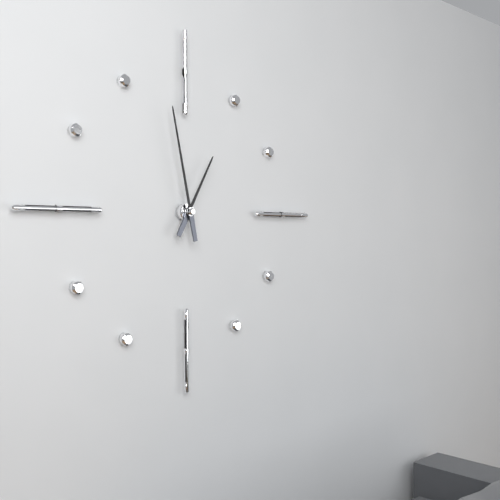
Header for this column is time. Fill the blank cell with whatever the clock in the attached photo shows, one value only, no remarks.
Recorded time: 12:58
